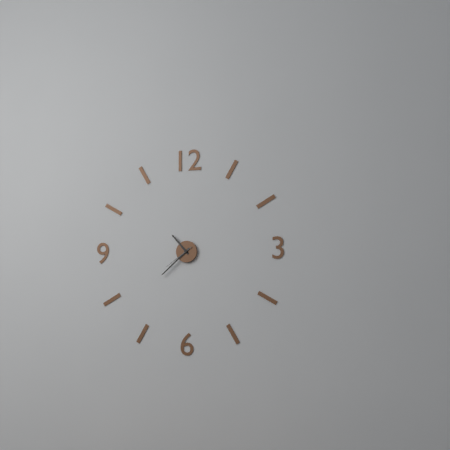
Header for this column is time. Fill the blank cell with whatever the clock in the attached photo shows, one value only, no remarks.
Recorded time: 10:38
